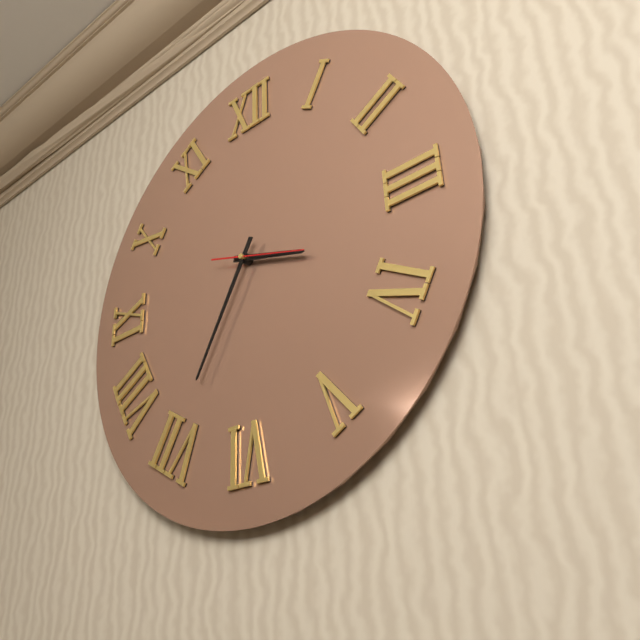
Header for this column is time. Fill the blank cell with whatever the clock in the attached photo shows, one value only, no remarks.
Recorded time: 3:35:18
